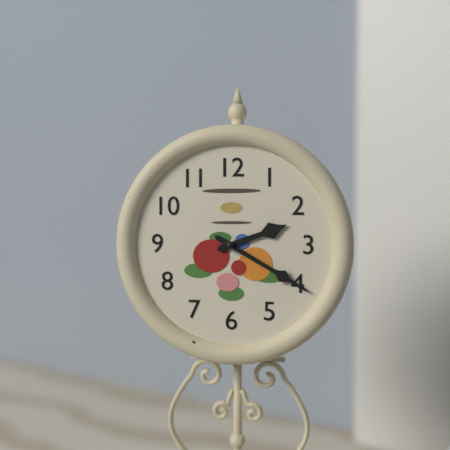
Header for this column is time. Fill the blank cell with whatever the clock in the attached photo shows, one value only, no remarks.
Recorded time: 2:20
